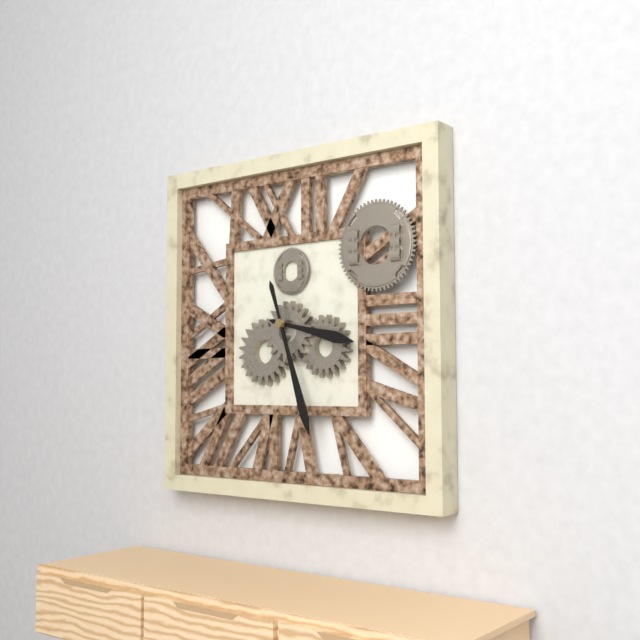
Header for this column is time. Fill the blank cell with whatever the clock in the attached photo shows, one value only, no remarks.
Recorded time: 3:27
